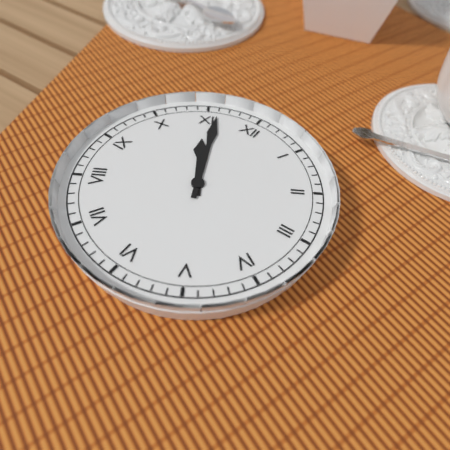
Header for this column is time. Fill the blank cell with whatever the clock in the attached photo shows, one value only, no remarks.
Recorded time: 10:56
